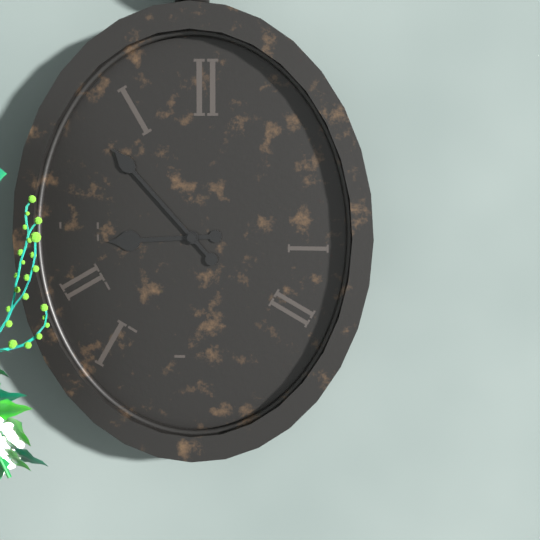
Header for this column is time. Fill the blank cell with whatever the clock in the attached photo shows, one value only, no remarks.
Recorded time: 8:53
